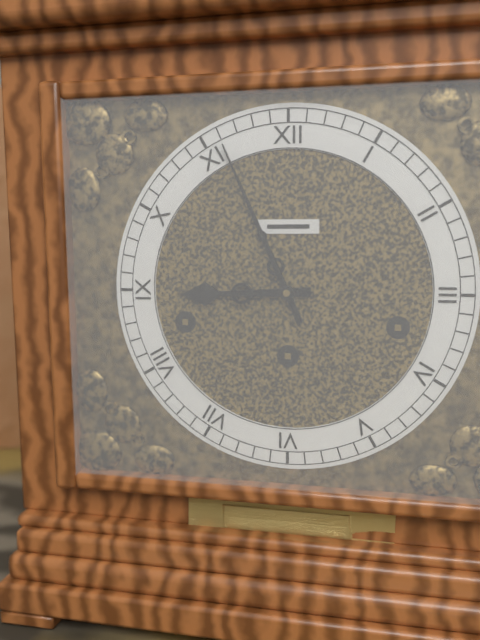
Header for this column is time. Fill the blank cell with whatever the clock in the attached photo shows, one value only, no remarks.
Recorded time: 8:56
